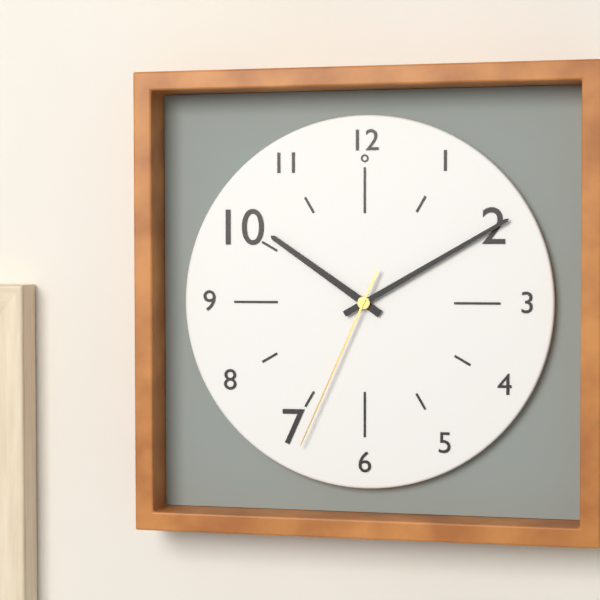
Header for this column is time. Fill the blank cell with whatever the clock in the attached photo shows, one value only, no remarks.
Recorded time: 10:10:34
